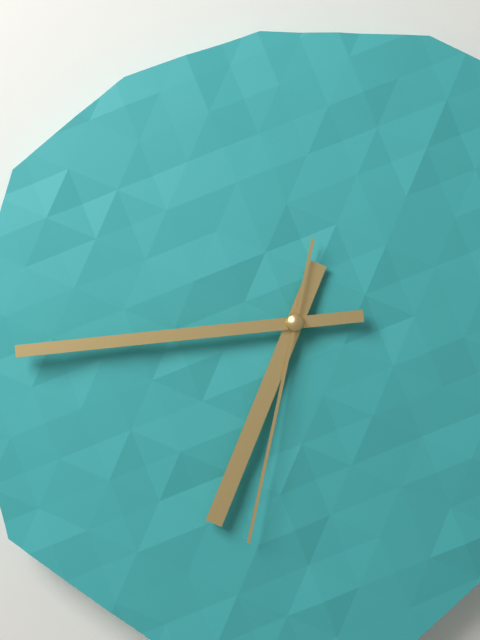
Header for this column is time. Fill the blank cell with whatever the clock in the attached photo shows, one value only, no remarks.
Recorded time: 6:44:32
